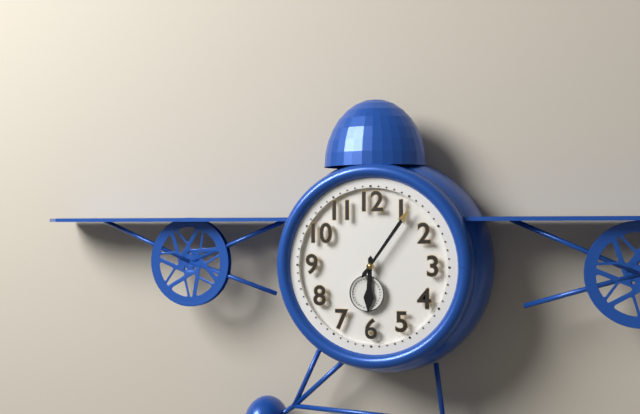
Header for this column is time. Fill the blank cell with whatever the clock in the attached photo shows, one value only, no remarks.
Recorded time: 6:06
